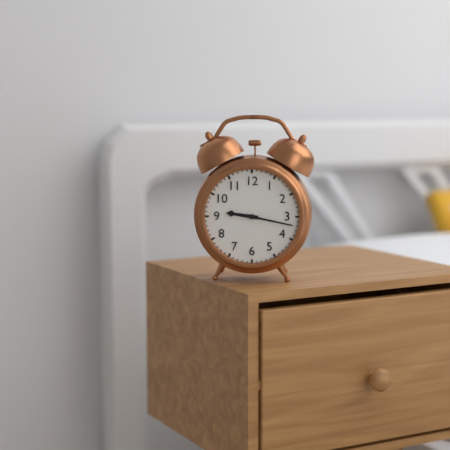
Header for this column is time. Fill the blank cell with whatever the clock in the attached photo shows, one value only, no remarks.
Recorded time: 9:17
